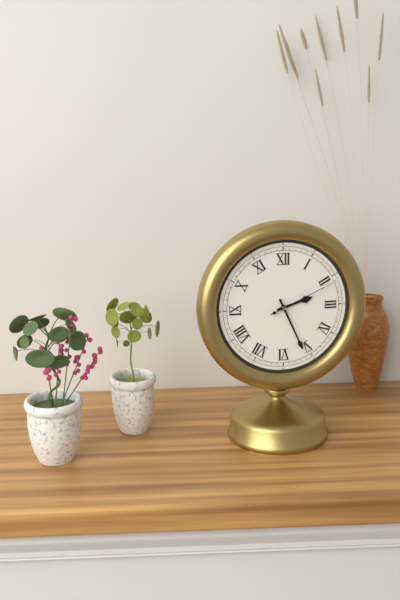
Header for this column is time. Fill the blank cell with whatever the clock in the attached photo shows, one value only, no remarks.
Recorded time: 2:26:11
